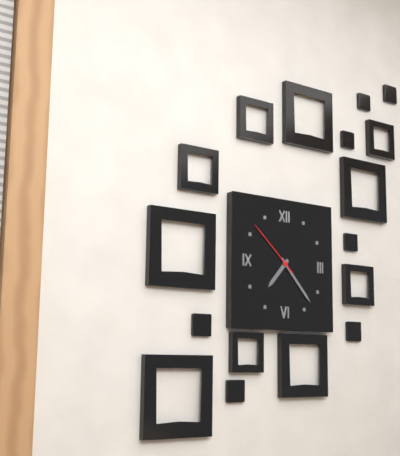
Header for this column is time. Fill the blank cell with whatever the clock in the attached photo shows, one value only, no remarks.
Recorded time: 7:23:52
